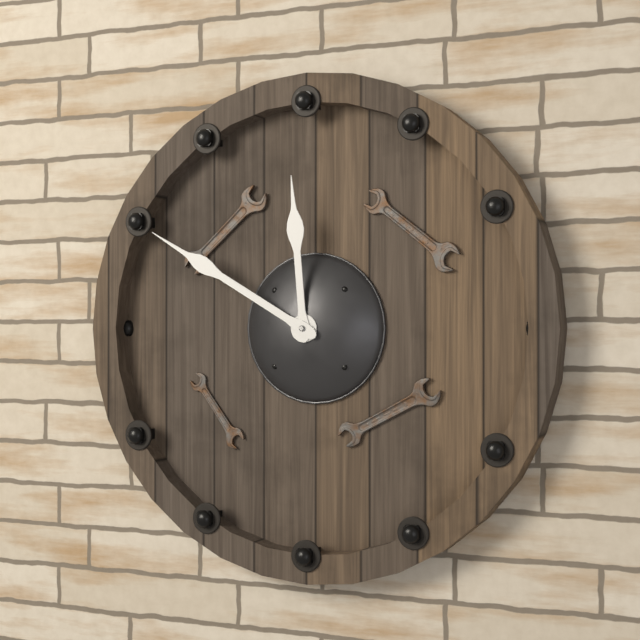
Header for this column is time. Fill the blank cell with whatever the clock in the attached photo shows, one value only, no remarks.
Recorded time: 11:50
